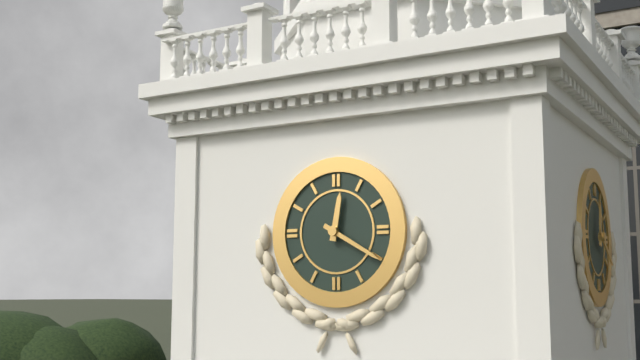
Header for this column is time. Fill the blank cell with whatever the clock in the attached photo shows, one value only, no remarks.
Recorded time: 12:20
